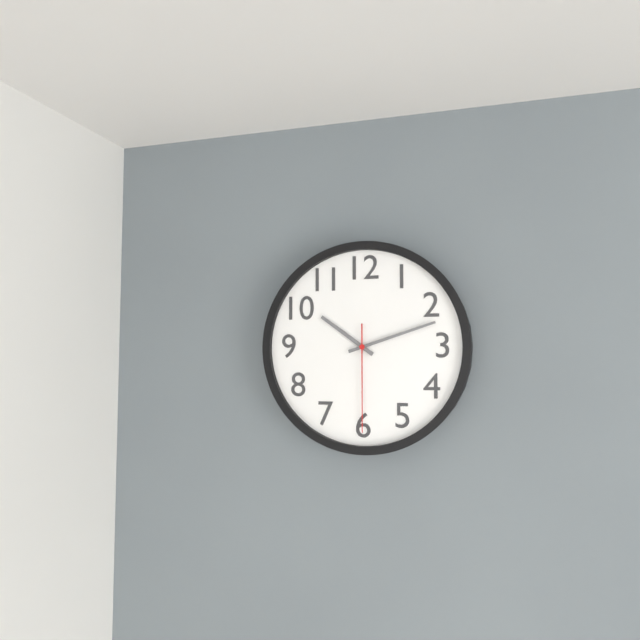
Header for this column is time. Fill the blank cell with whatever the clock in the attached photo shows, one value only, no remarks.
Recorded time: 10:12:30
